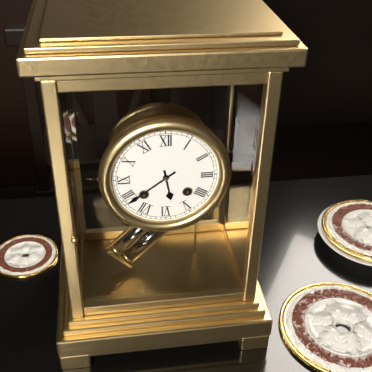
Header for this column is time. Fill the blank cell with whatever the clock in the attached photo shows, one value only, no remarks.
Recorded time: 5:39
